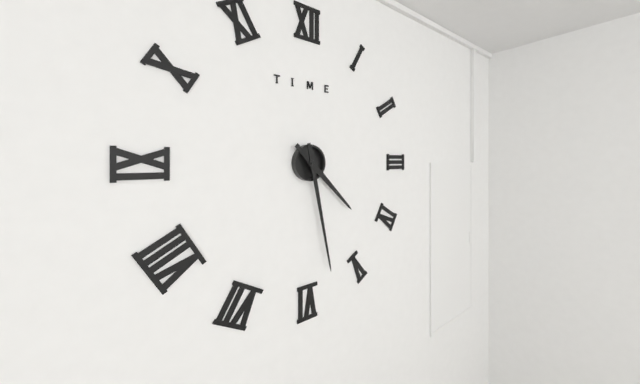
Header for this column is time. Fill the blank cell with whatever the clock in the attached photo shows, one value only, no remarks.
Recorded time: 4:28
